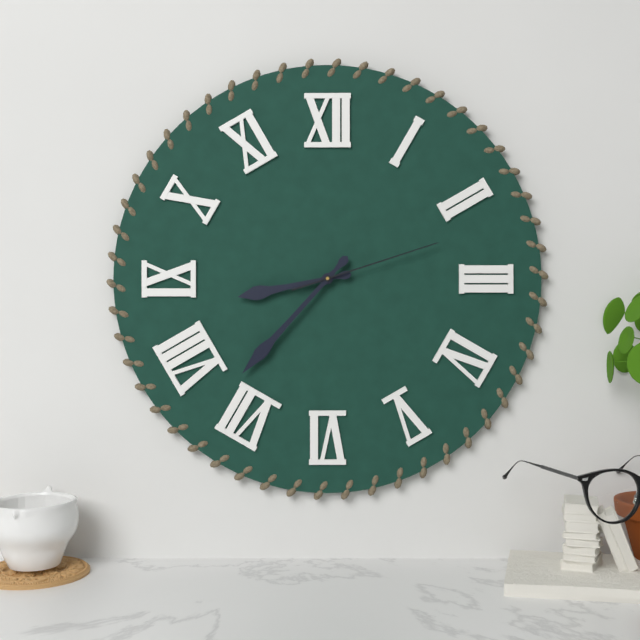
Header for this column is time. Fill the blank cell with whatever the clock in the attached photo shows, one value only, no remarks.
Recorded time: 8:37:12
